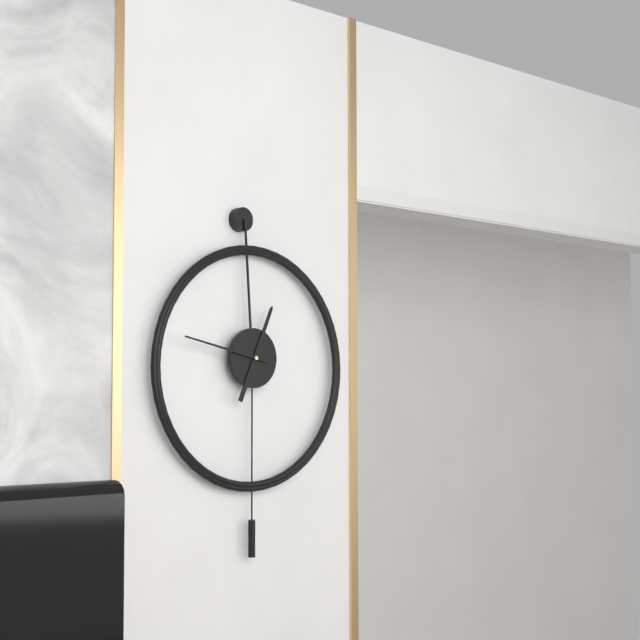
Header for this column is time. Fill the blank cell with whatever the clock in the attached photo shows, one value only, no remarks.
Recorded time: 12:47
